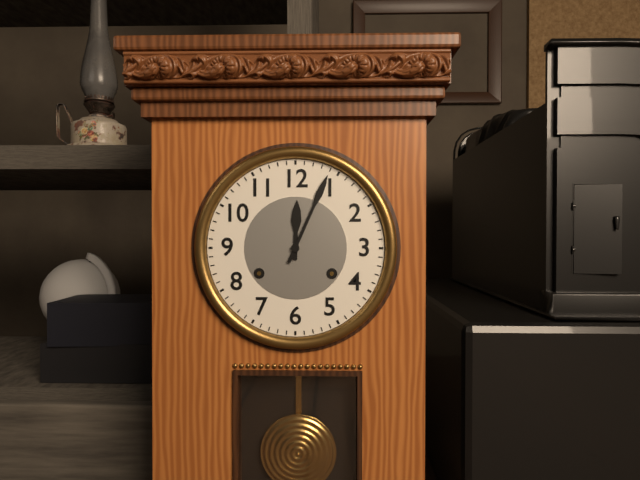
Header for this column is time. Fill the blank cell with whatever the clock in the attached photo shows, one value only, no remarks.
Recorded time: 12:04
